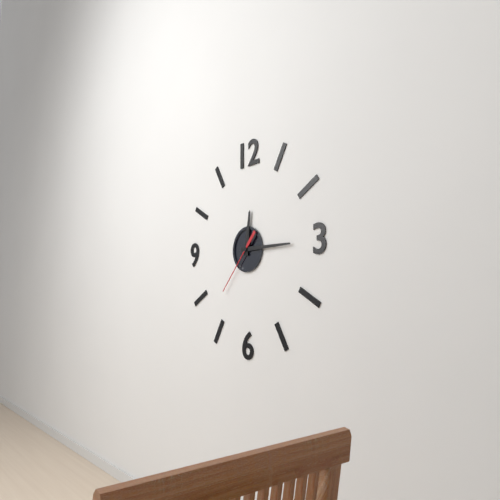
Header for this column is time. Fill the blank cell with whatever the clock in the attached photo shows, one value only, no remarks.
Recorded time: 12:15:37
